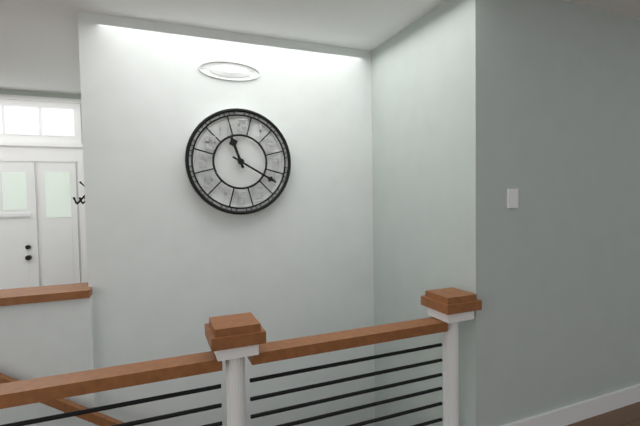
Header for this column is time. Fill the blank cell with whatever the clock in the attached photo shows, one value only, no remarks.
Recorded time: 11:20
